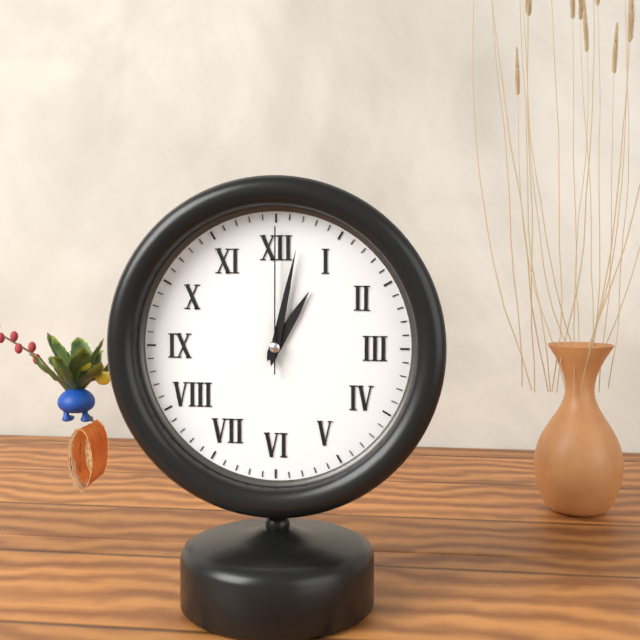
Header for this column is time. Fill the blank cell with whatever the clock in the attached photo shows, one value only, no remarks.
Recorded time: 1:02:00
